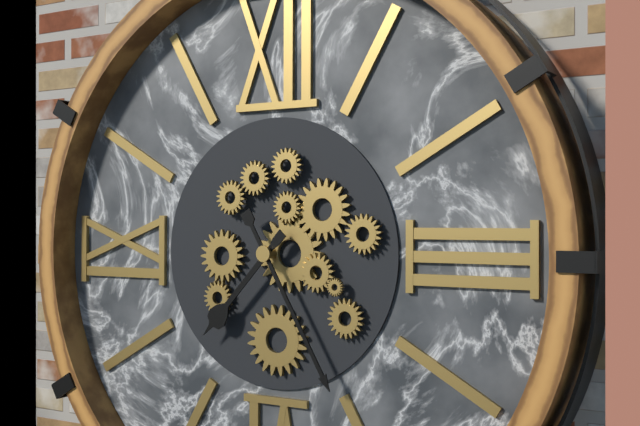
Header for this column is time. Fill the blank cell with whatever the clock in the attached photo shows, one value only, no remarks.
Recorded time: 7:25
